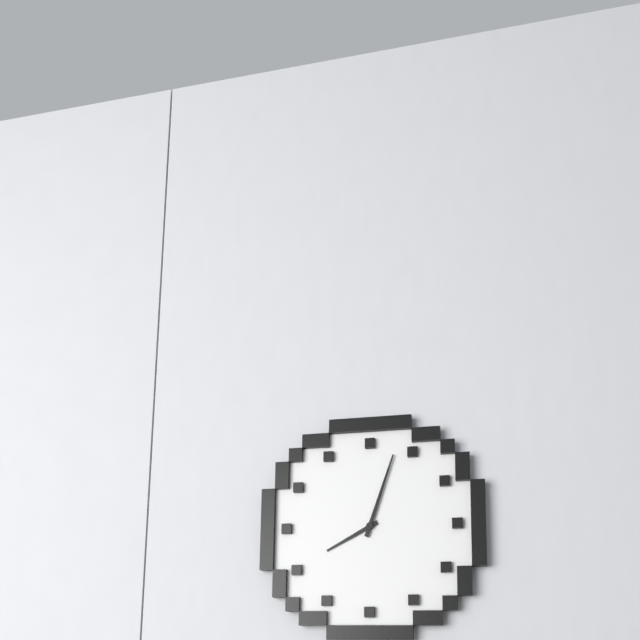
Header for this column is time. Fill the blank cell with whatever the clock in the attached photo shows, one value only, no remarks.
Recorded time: 8:03
